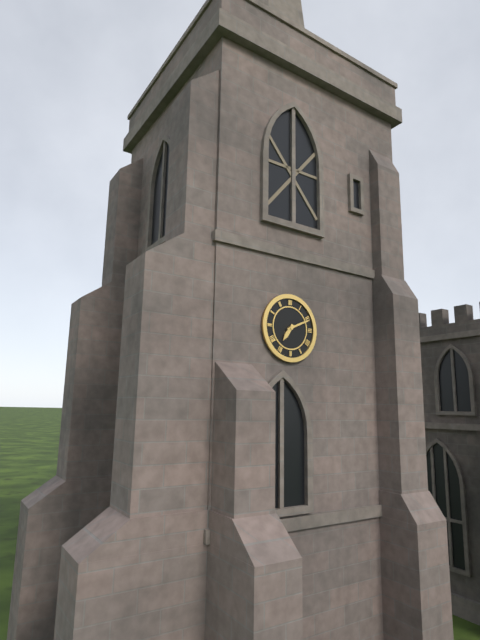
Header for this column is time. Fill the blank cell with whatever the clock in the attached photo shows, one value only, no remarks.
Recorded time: 7:11
